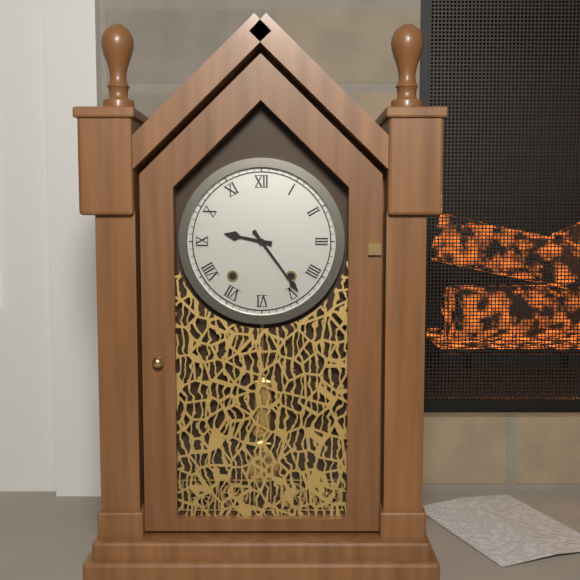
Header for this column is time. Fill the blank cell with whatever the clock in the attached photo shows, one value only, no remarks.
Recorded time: 9:24
